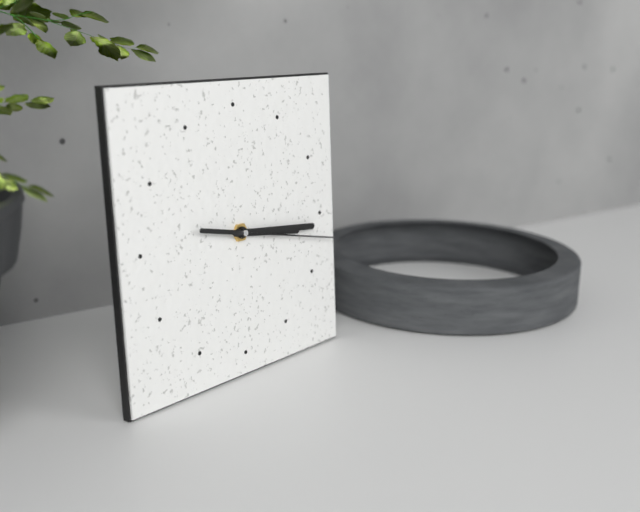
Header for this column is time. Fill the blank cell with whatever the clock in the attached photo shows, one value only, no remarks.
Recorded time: 3:16:17
